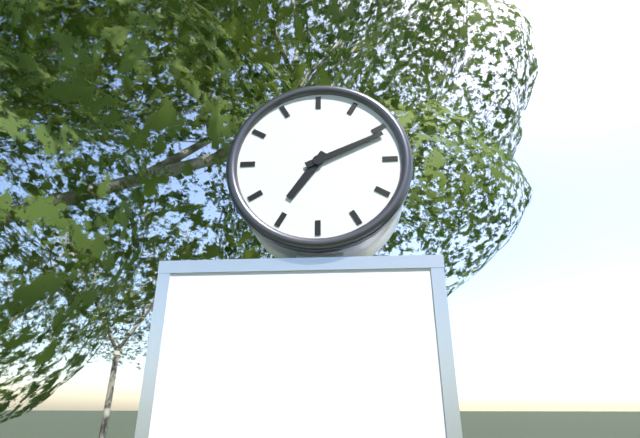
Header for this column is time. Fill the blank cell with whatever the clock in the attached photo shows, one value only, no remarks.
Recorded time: 7:11
